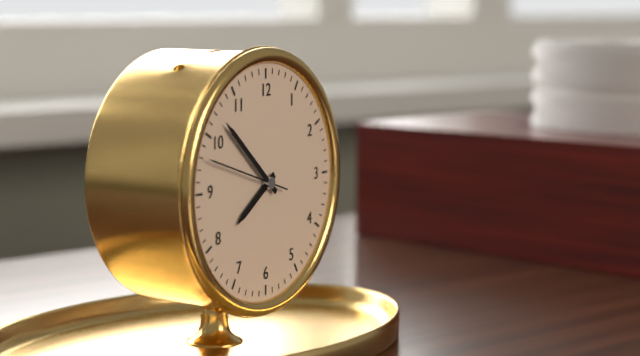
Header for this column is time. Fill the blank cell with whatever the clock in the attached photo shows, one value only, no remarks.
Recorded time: 7:52:48
